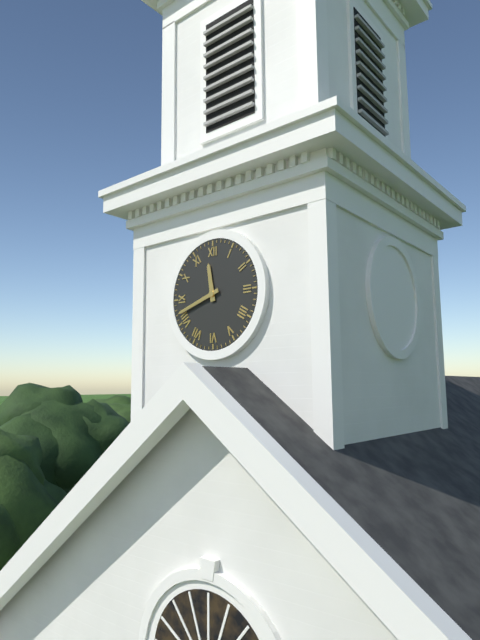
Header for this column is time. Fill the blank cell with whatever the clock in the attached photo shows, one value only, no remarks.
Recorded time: 11:42
